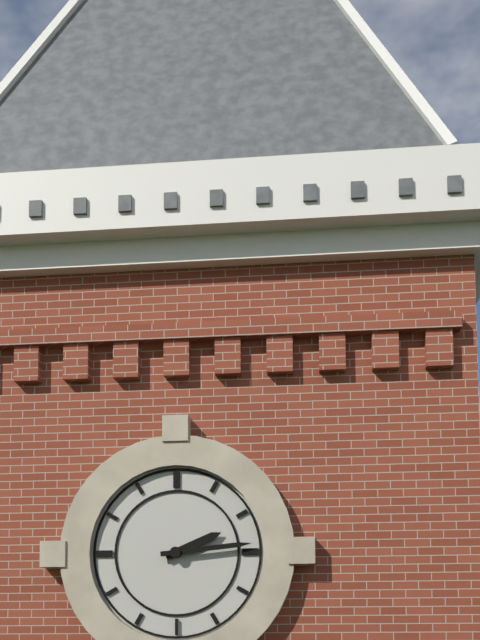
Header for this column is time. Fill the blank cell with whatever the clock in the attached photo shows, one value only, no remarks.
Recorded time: 2:14
